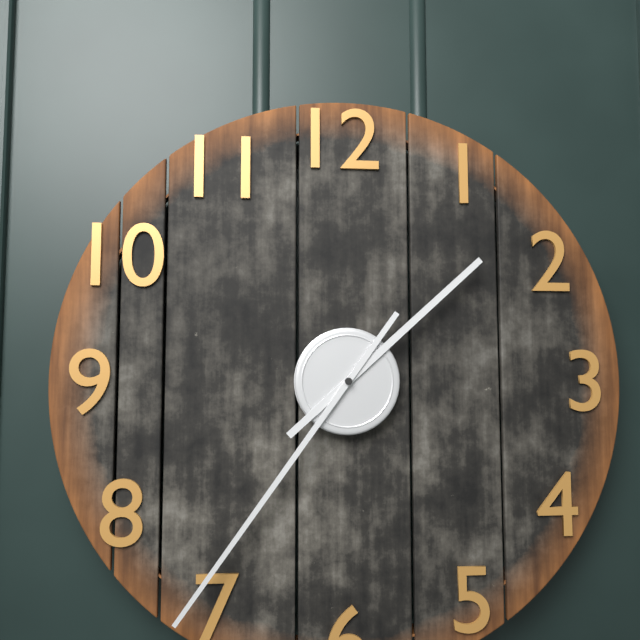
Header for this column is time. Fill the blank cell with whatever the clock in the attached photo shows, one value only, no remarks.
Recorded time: 1:36
